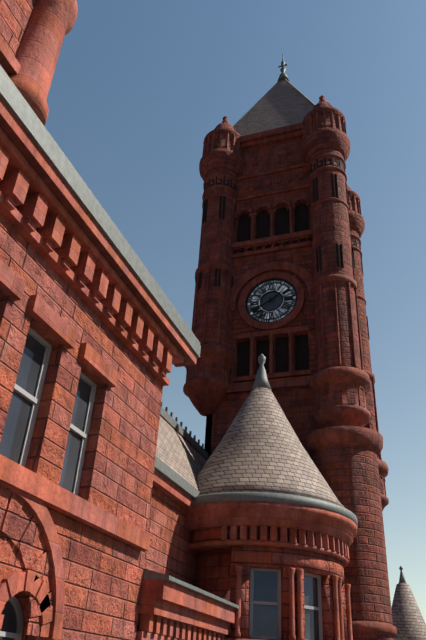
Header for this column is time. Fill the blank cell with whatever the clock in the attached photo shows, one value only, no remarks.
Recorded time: 1:40
